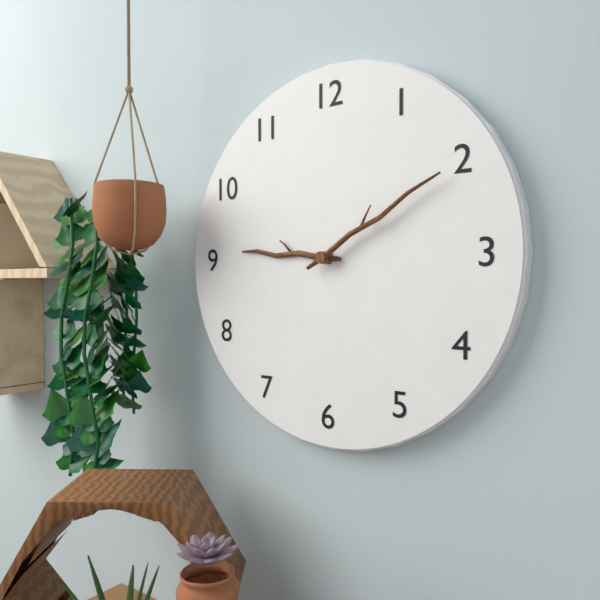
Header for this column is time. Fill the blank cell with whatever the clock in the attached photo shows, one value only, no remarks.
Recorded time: 9:10
